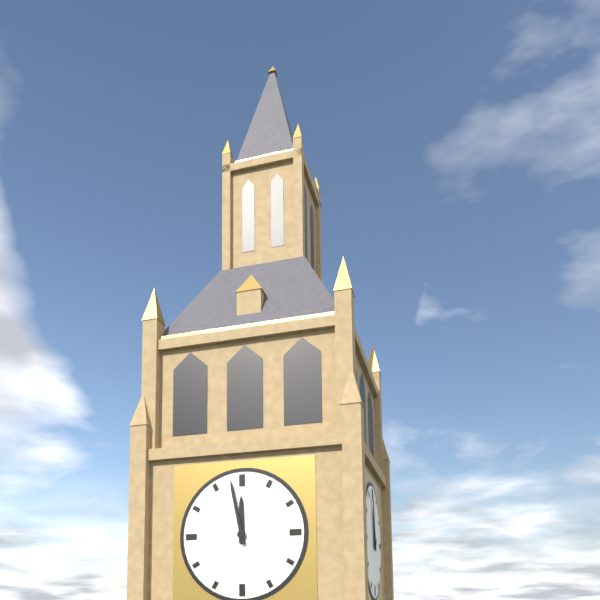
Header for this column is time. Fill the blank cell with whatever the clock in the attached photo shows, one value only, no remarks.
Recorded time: 11:58
